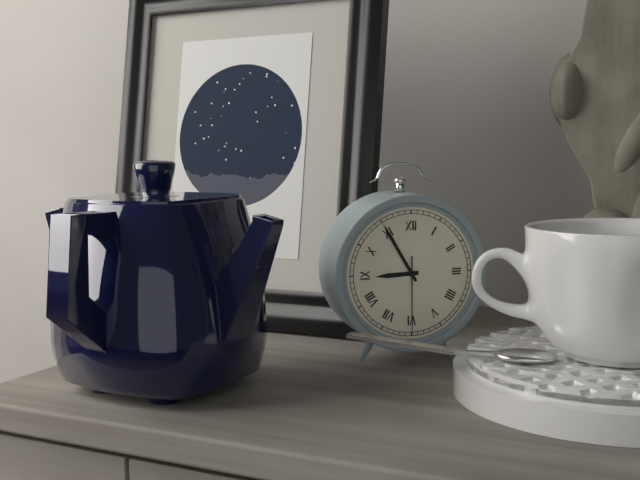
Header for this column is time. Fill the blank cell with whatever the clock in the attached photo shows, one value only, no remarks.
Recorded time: 8:55:30
